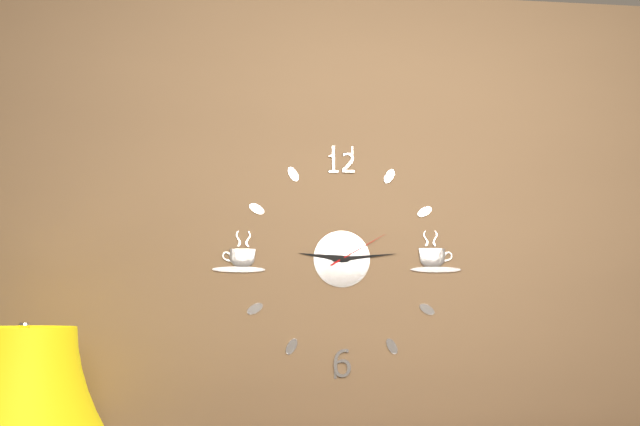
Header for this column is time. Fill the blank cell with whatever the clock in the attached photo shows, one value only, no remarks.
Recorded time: 9:14:10
